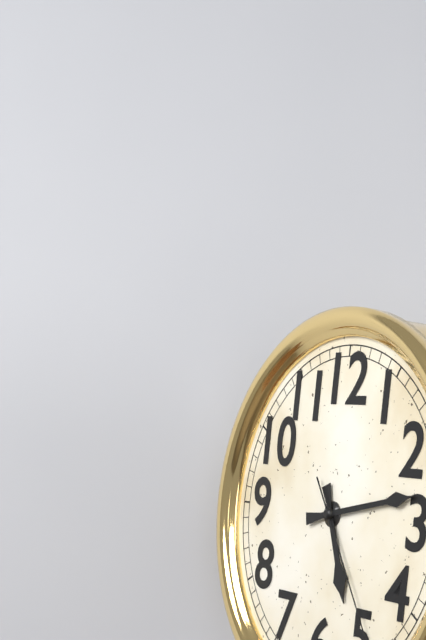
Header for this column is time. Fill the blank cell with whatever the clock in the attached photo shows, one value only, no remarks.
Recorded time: 5:13
